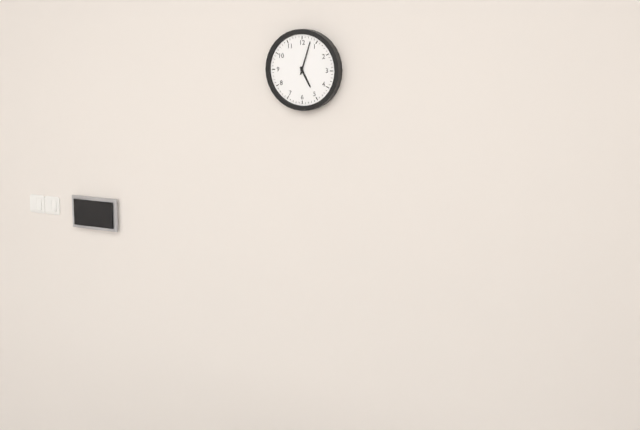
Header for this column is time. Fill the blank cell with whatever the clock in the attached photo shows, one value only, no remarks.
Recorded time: 5:03
